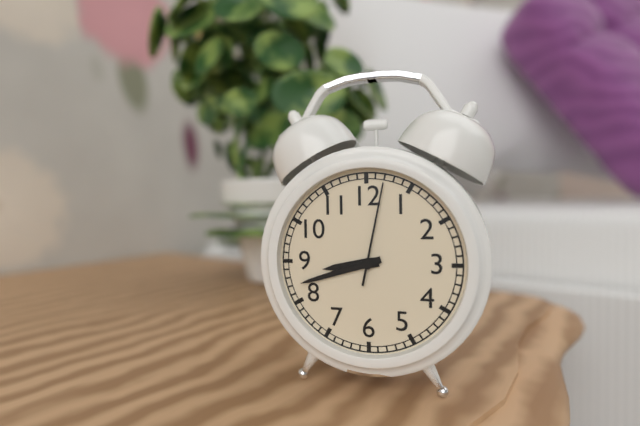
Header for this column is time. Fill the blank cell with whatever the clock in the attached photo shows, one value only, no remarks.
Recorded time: 8:42:02
